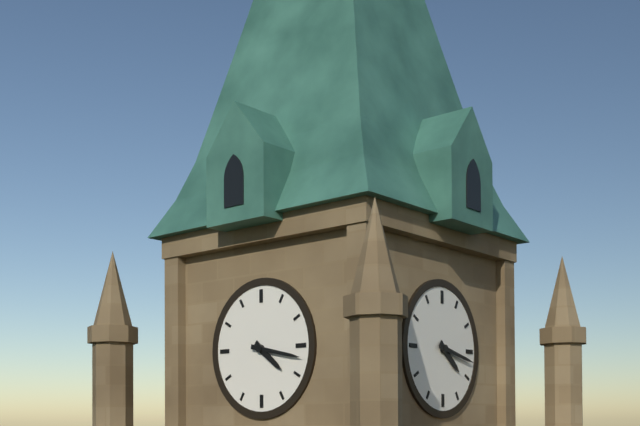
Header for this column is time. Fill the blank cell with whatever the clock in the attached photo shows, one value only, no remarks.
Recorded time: 4:17
